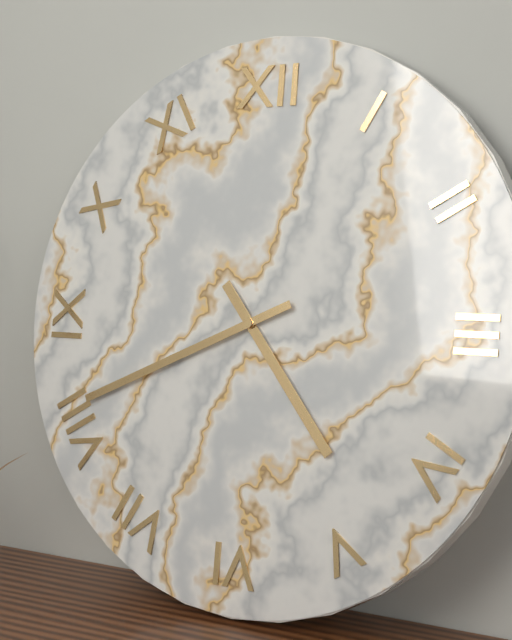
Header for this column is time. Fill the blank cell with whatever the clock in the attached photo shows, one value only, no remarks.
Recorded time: 4:41
